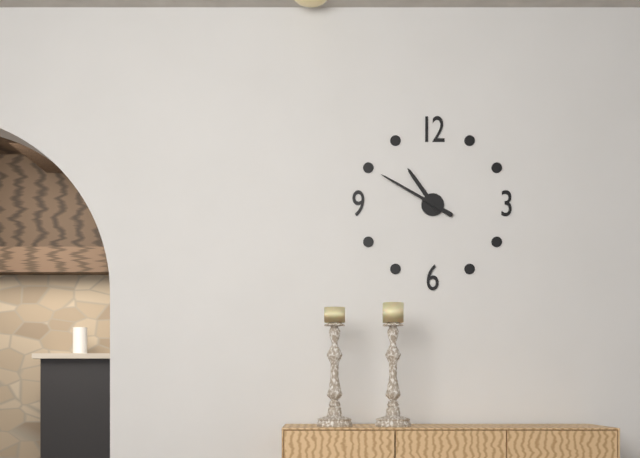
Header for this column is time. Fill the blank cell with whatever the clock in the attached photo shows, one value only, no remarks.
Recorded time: 10:50
